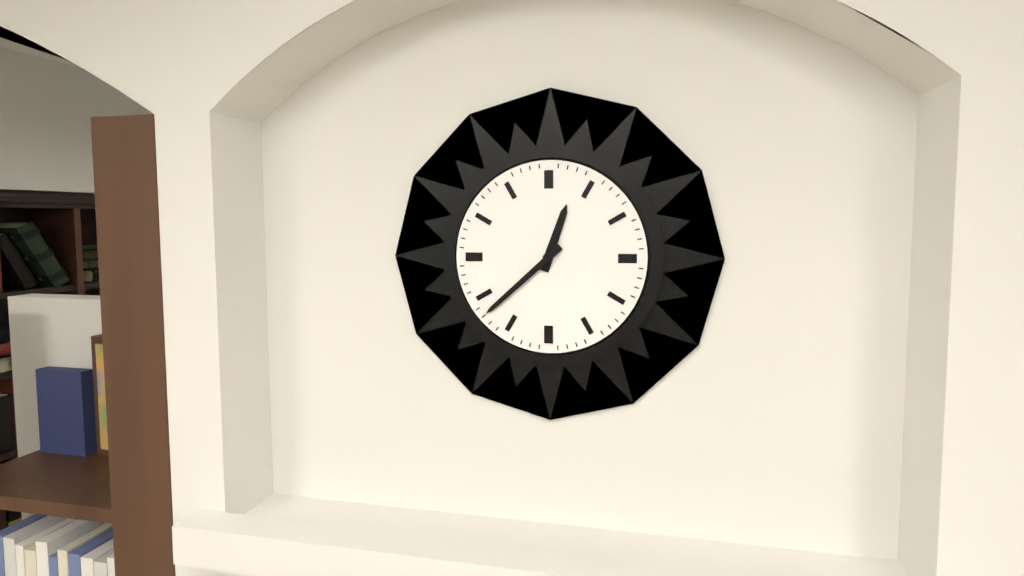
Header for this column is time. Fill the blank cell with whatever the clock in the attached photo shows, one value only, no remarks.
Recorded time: 12:38
